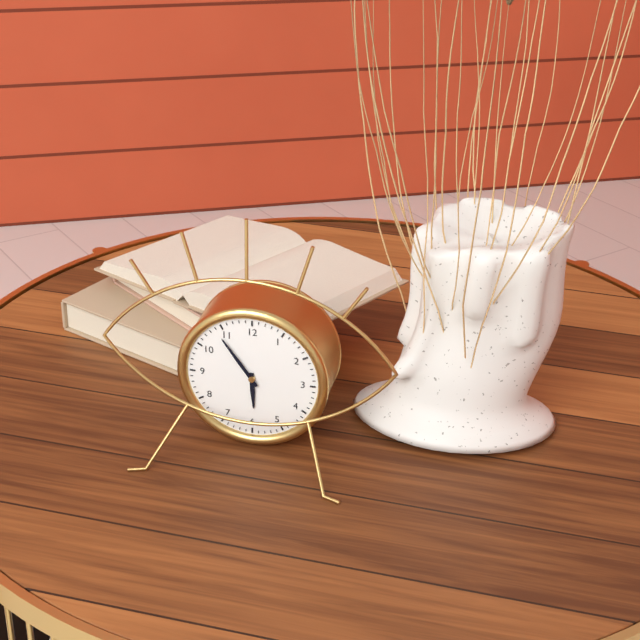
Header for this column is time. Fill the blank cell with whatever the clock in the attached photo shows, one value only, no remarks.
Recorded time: 5:54
